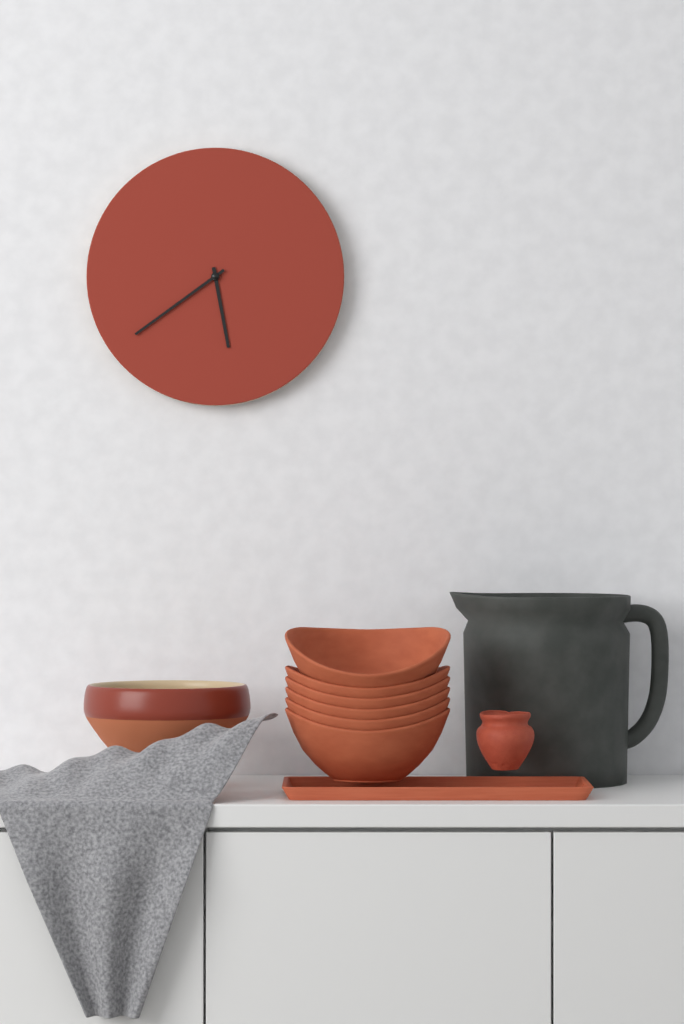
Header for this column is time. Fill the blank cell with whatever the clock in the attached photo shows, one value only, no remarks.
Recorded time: 5:39
